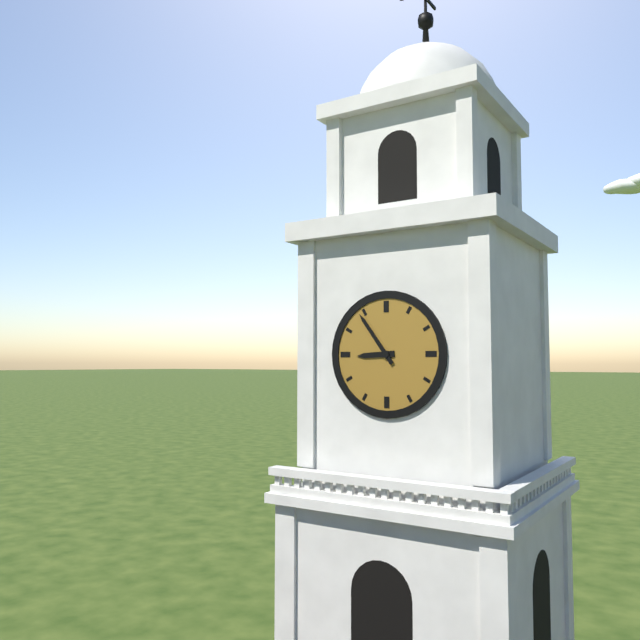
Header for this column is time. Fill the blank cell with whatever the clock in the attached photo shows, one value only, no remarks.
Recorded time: 8:54
